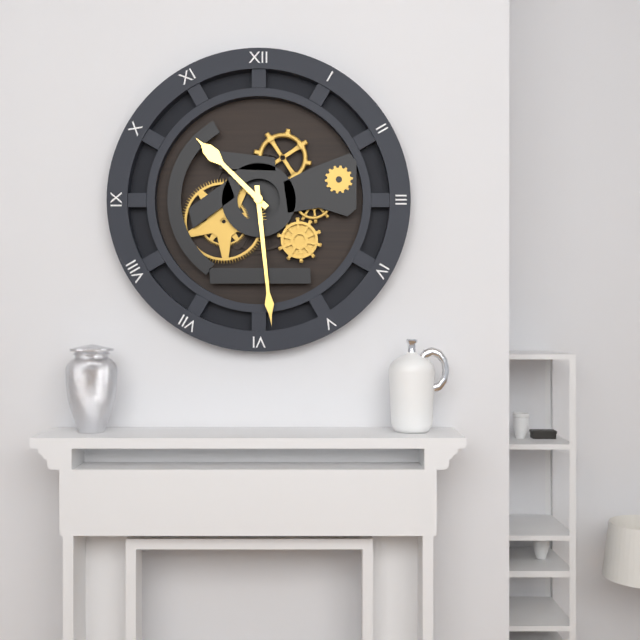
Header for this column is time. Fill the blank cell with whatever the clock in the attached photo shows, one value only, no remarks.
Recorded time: 10:29
